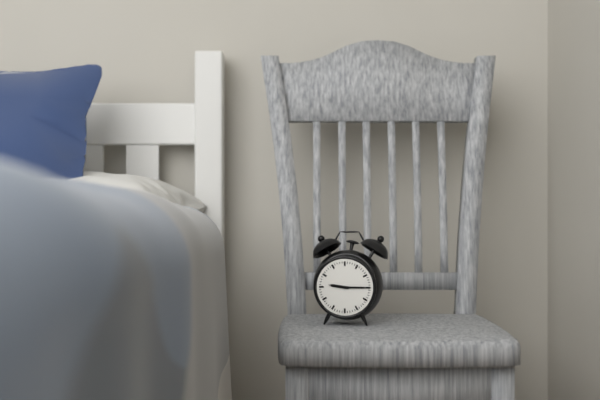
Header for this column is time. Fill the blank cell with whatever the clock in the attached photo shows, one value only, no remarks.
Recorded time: 9:15
